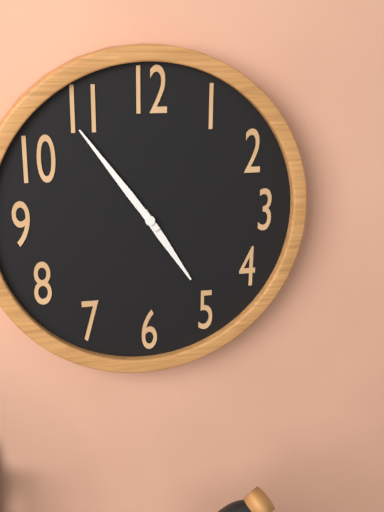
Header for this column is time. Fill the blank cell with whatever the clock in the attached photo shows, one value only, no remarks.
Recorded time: 4:54
